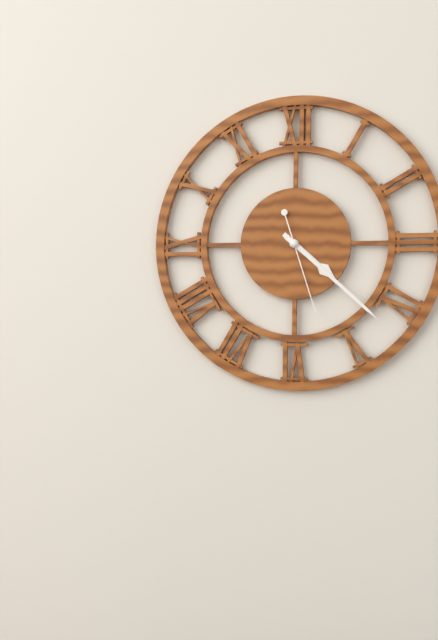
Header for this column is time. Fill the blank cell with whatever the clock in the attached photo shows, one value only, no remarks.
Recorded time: 4:22:27
